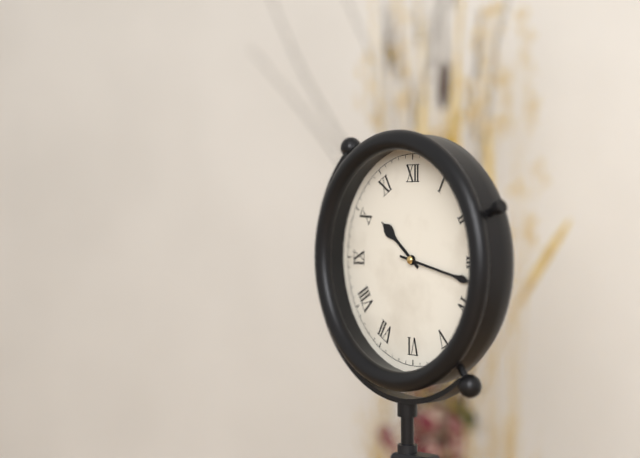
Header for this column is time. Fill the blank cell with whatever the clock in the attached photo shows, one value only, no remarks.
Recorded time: 10:17
